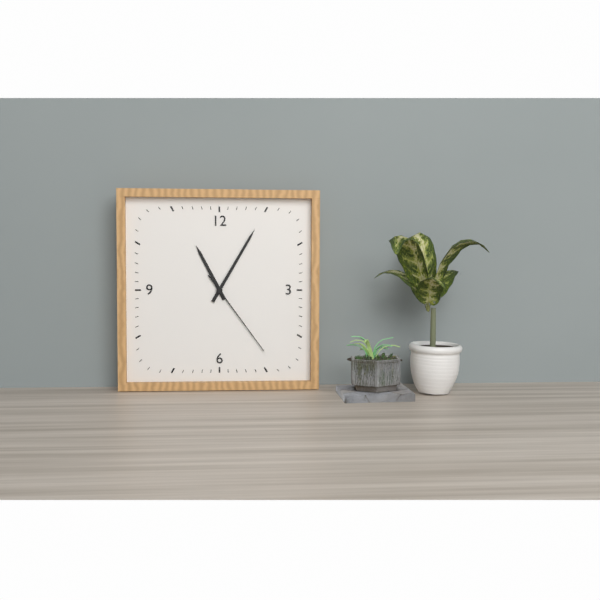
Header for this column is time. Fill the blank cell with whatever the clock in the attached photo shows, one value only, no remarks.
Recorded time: 11:05:24
